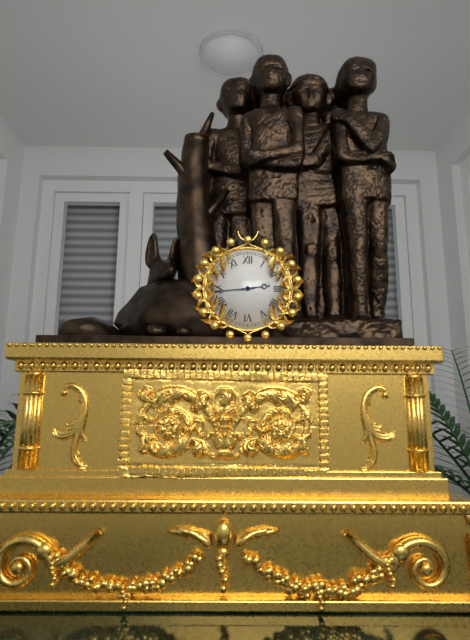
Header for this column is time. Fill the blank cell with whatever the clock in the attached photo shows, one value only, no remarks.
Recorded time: 2:44
